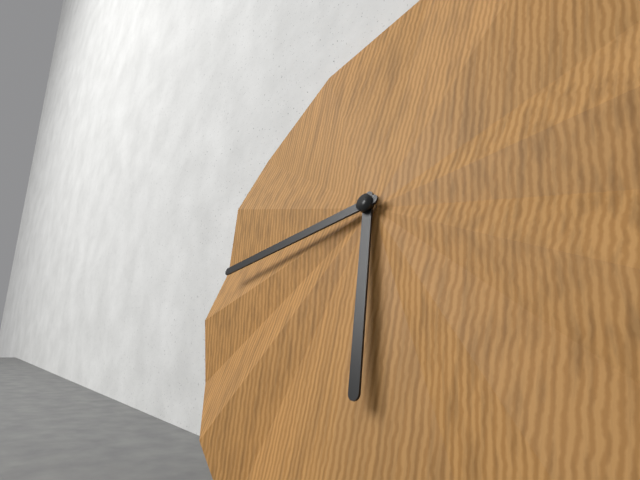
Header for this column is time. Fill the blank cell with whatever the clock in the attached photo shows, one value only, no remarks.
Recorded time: 5:43
